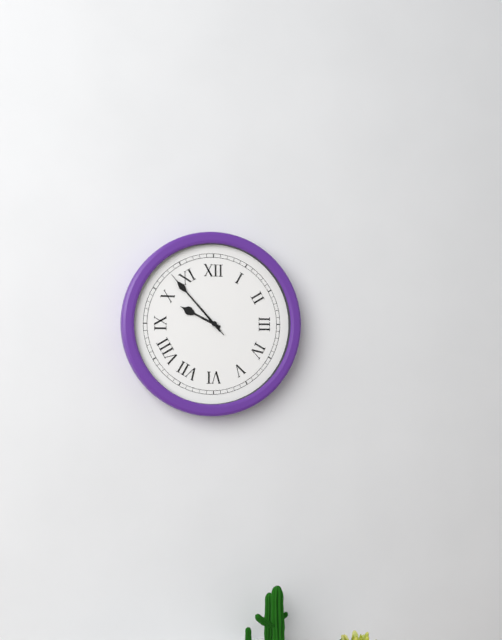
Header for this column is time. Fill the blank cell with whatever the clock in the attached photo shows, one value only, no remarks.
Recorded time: 9:53:53
